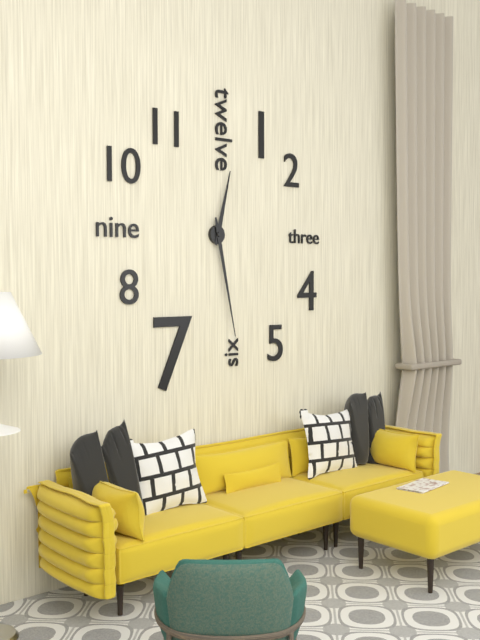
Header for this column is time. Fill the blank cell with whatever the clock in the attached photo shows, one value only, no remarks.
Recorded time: 12:28
